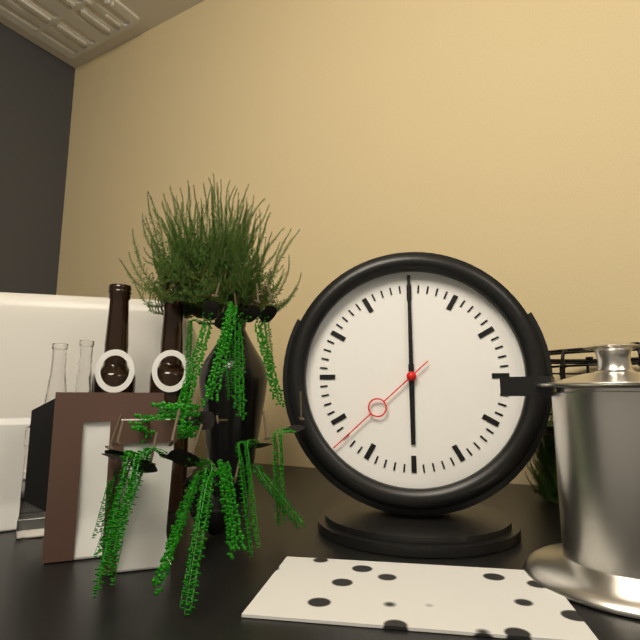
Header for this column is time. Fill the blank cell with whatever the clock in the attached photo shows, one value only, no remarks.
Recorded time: 6:00:38
